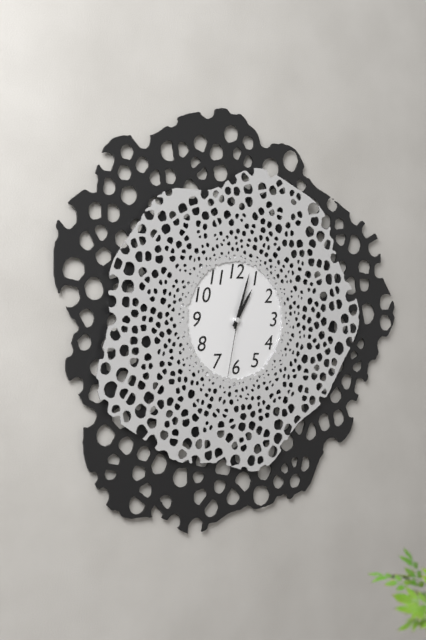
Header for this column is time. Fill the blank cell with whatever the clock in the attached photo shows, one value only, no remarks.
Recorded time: 1:03:32
